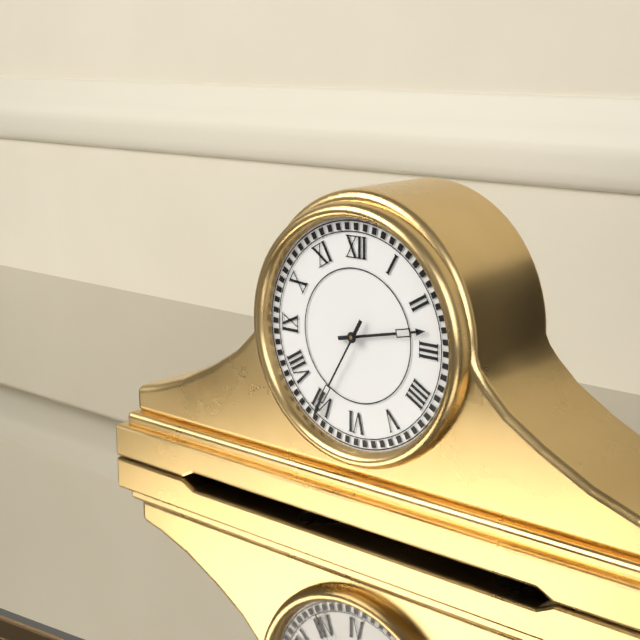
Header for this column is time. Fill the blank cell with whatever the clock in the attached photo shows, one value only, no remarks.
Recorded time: 2:35
